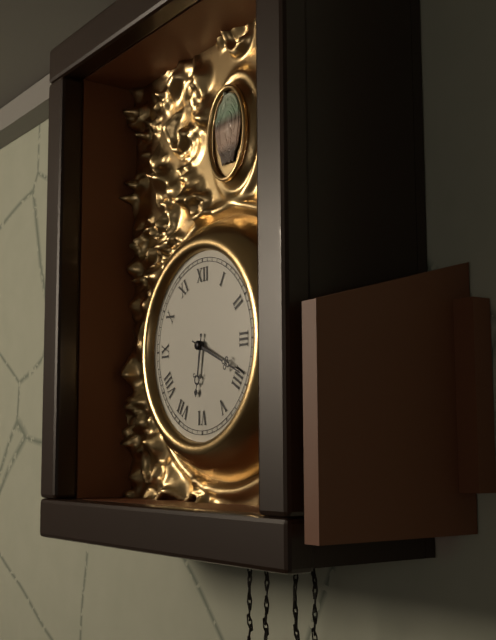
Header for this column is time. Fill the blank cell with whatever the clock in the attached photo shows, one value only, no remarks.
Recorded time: 6:19
